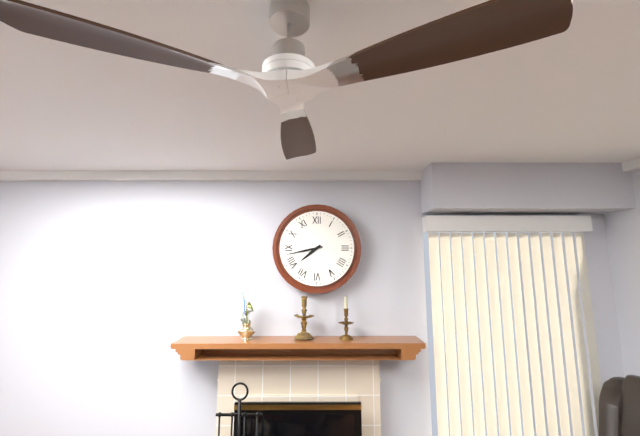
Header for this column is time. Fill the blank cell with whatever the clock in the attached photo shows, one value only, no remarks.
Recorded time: 7:43
